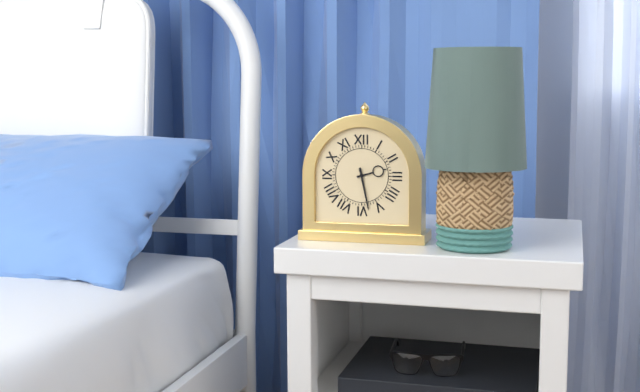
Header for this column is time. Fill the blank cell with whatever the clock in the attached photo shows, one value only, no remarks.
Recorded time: 2:28
